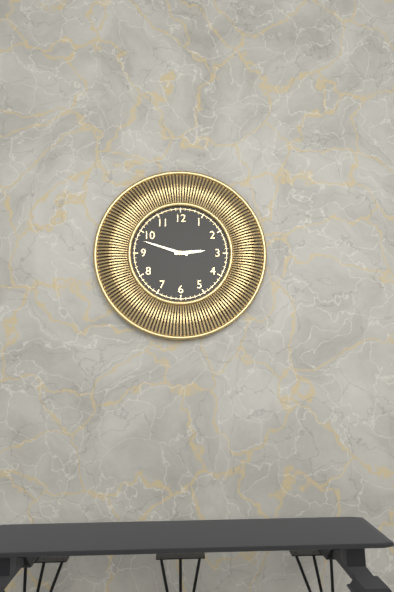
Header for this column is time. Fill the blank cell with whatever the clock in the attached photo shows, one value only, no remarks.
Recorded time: 2:48
